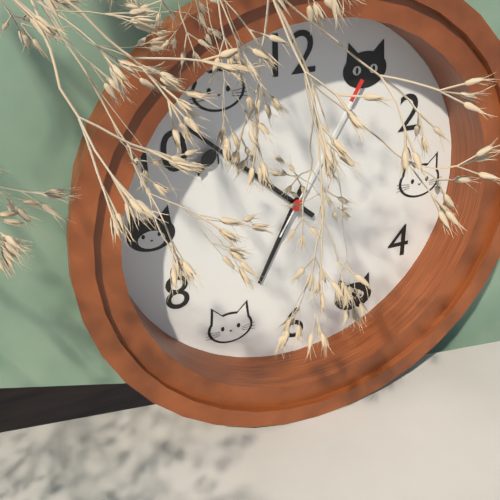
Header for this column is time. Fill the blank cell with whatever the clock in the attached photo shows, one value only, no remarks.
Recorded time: 6:52:05
